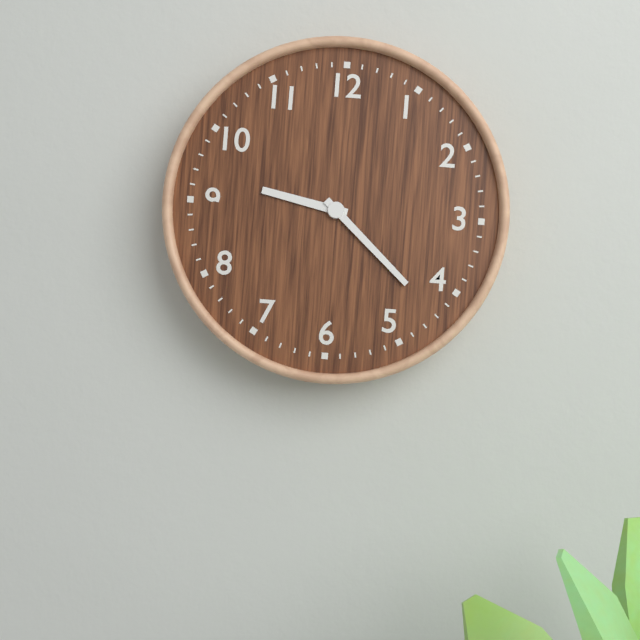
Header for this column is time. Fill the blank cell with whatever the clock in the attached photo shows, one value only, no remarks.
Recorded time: 9:22
